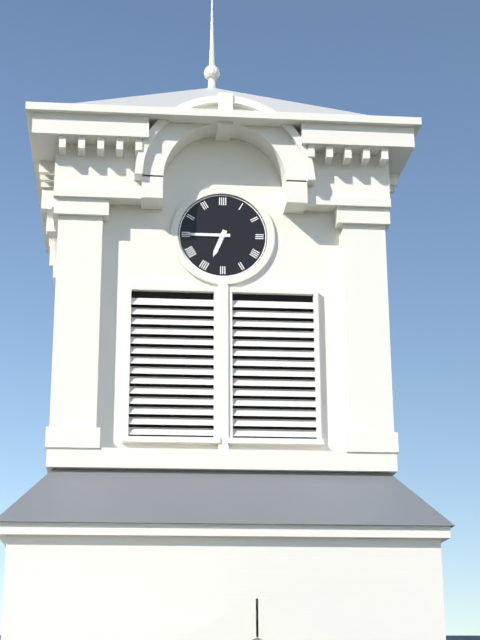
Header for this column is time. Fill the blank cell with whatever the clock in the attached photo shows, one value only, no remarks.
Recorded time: 6:45
